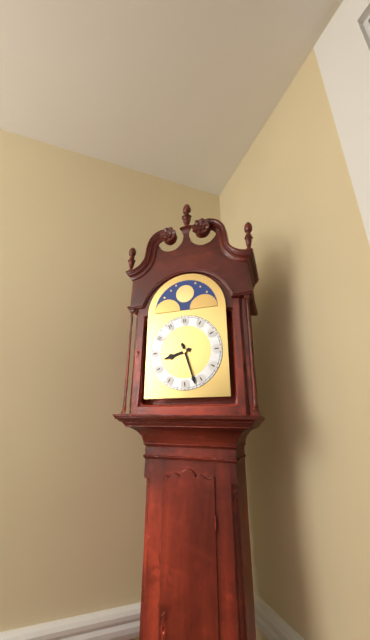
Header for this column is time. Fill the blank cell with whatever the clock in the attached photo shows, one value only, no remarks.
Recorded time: 8:27
